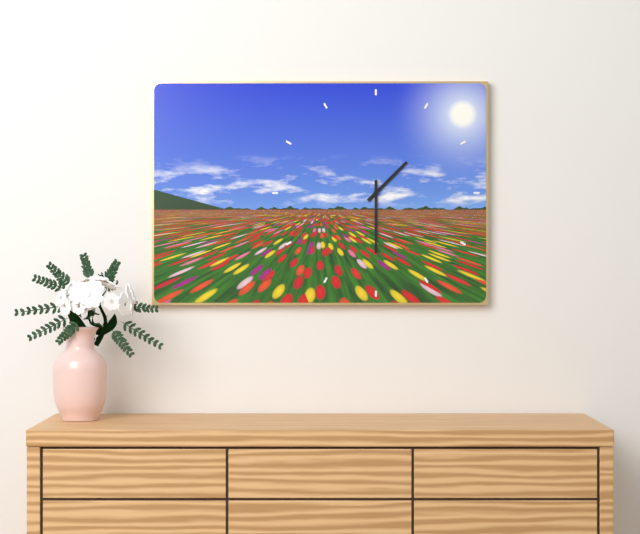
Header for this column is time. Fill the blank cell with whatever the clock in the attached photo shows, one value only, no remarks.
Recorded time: 1:30
